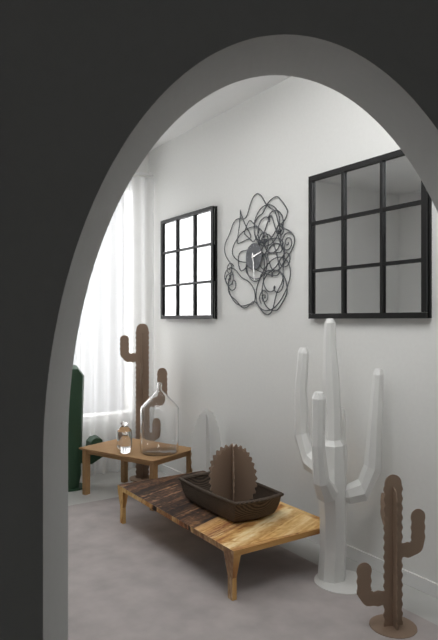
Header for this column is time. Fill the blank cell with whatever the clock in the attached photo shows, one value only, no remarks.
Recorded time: 2:29
